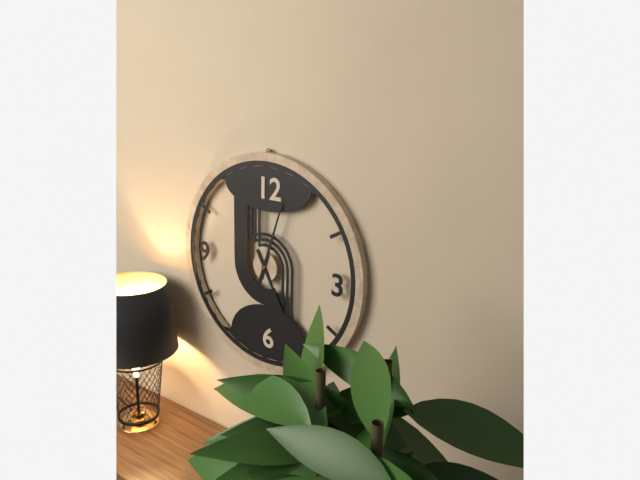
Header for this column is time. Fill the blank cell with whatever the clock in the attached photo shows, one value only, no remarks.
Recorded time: 5:03
